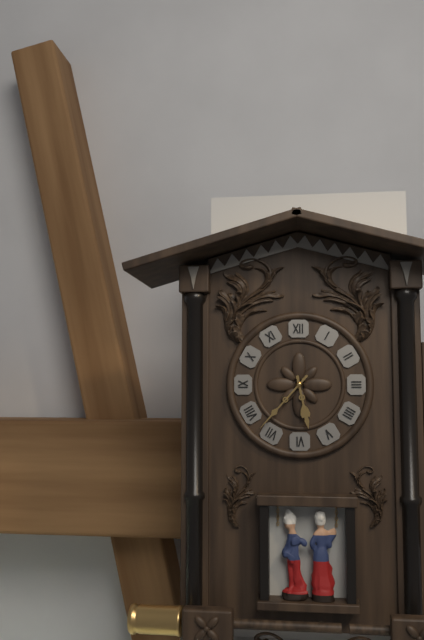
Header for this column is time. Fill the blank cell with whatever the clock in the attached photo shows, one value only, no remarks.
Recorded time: 5:37
